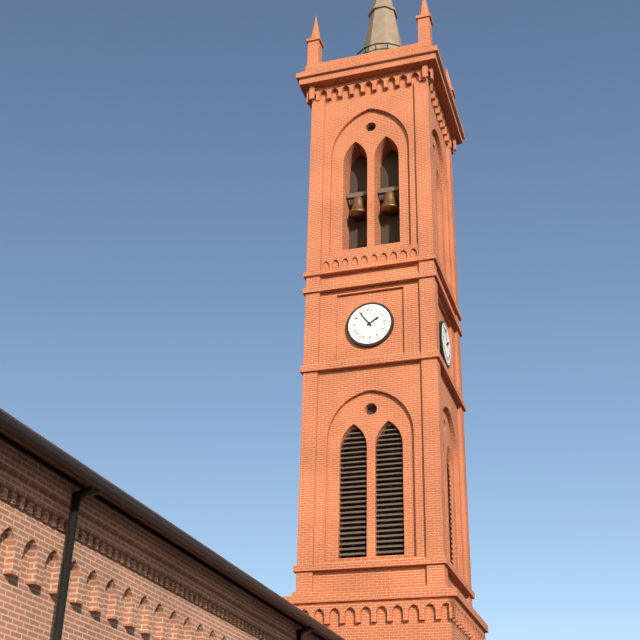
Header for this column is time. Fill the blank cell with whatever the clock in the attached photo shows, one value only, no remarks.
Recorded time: 1:54
